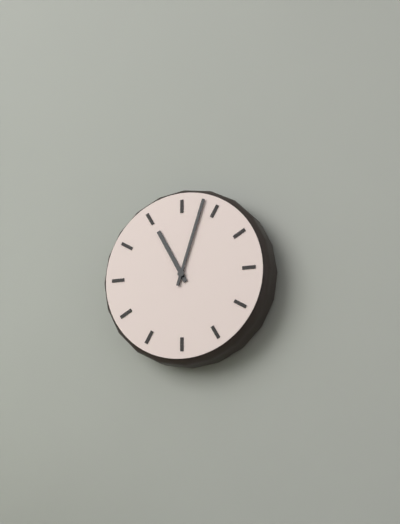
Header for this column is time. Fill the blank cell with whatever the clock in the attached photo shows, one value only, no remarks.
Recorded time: 11:03
